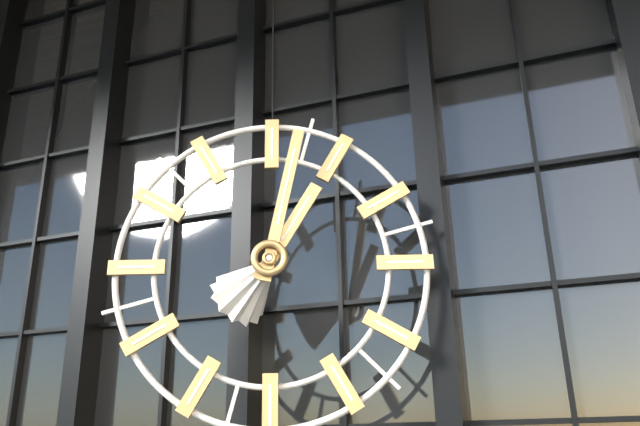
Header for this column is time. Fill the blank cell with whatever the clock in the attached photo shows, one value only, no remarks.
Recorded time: 1:02
